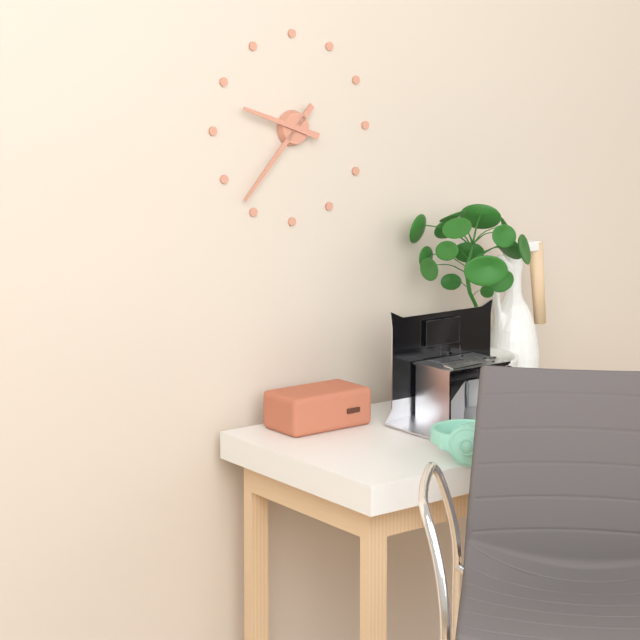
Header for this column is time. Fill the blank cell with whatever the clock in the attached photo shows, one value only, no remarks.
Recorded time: 9:37
